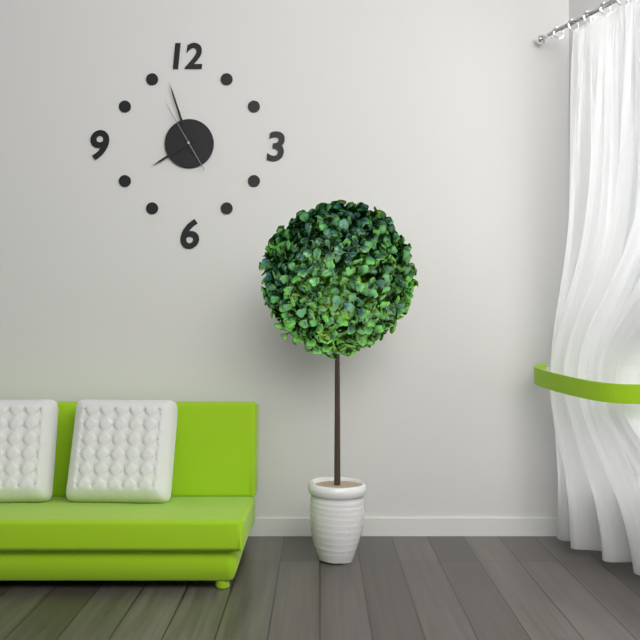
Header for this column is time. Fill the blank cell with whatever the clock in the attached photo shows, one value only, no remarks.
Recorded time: 7:57:55
